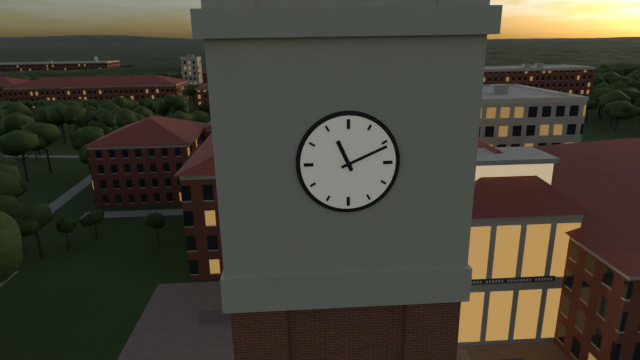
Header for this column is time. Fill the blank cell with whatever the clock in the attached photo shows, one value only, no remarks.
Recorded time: 11:11
